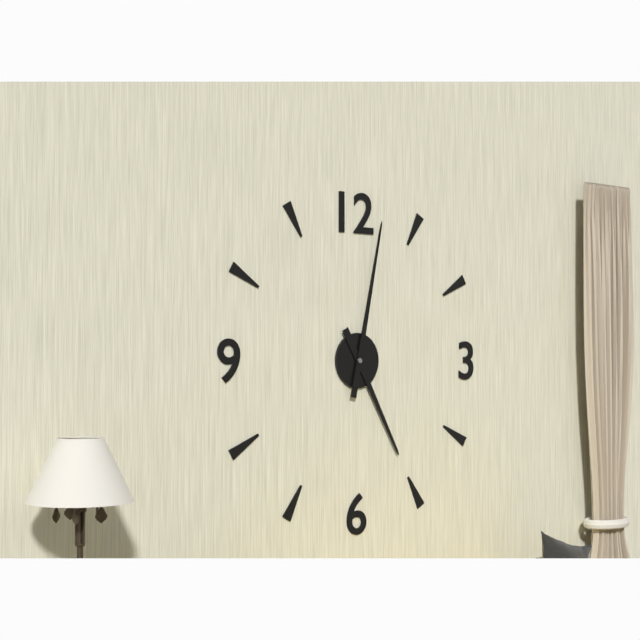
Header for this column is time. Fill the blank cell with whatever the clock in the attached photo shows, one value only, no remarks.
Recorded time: 5:02
